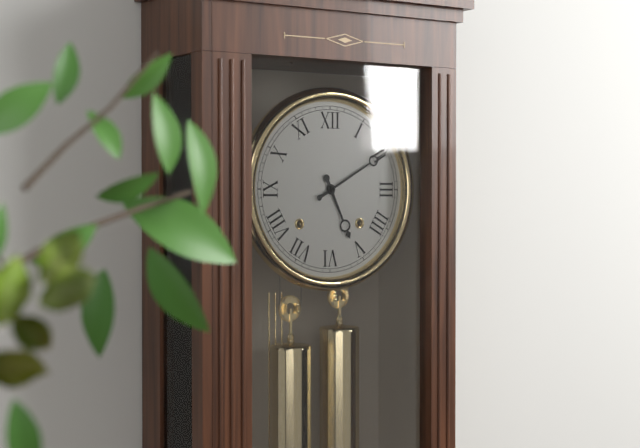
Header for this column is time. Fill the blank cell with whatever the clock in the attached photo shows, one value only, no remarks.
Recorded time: 5:10
